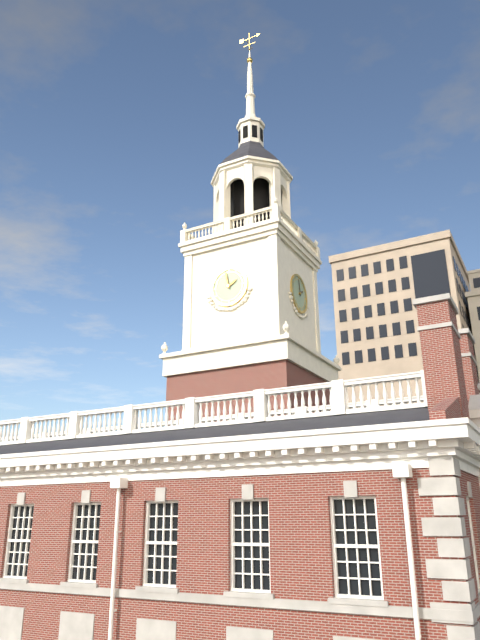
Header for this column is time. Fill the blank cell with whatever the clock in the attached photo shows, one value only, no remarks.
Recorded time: 1:58
